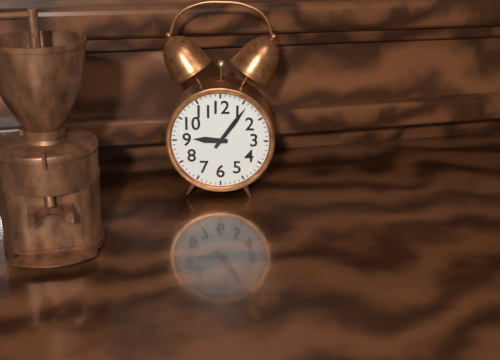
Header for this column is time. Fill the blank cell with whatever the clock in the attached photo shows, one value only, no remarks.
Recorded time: 9:06
